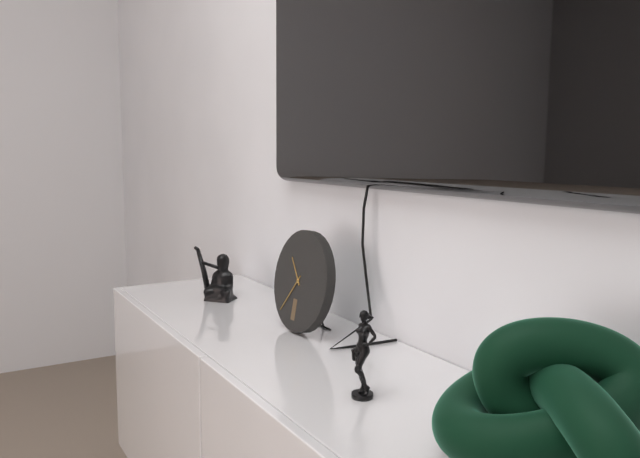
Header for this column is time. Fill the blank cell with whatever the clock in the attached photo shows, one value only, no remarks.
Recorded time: 10:36
